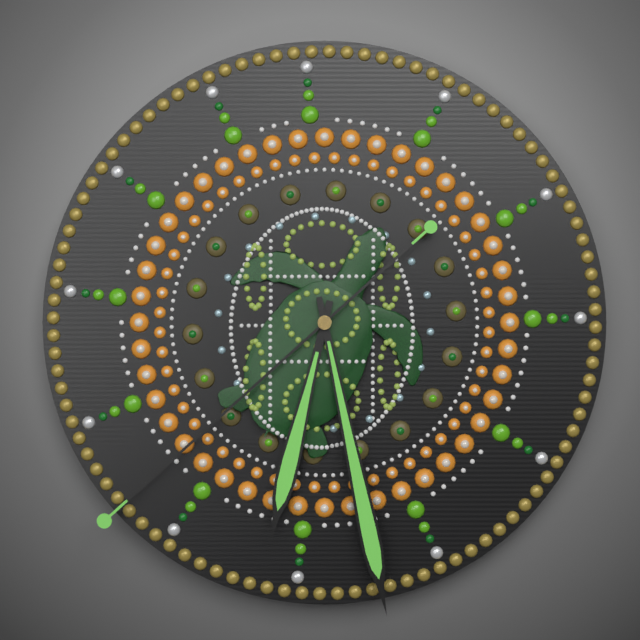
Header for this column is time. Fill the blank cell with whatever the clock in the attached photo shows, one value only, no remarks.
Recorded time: 6:28:38
